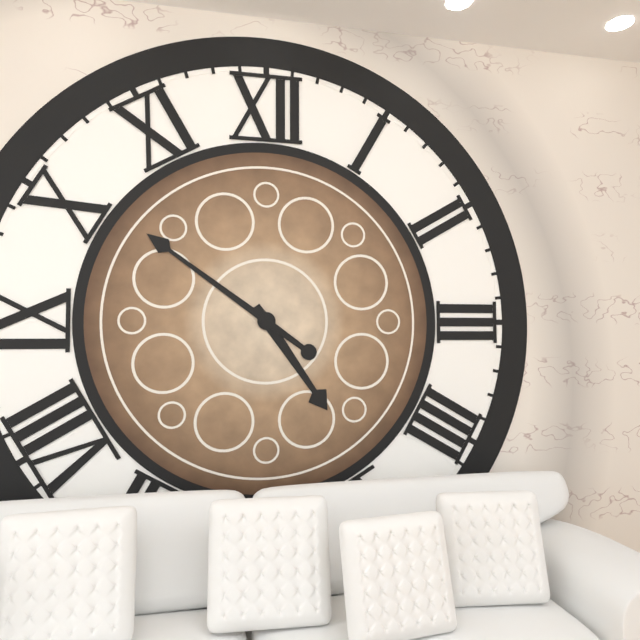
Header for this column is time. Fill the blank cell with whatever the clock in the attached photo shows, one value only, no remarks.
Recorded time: 4:51
